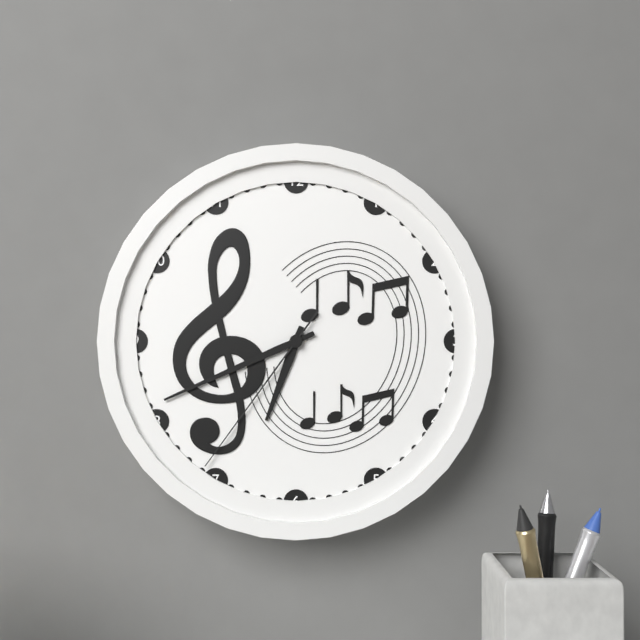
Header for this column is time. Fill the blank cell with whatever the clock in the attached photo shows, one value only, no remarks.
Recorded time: 6:41:36
